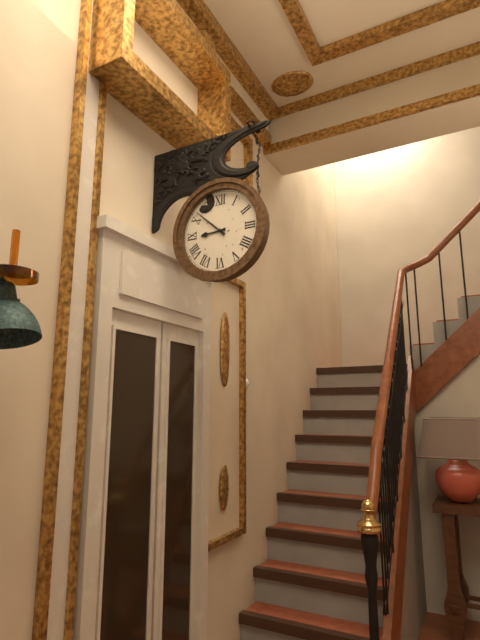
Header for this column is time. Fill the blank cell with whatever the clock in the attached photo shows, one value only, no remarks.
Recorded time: 8:52
